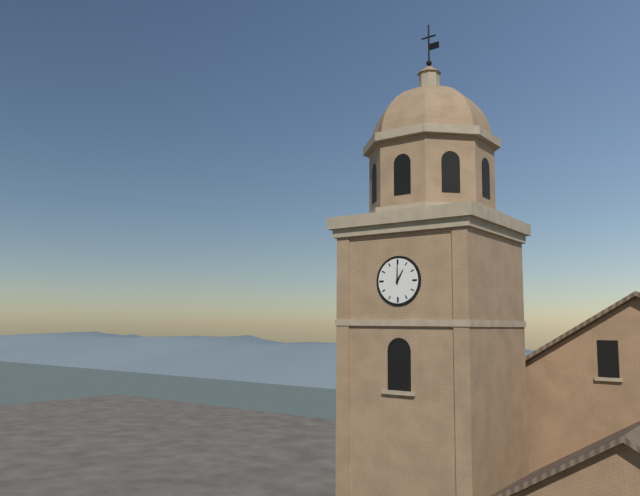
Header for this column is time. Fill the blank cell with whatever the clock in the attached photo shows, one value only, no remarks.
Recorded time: 1:00
